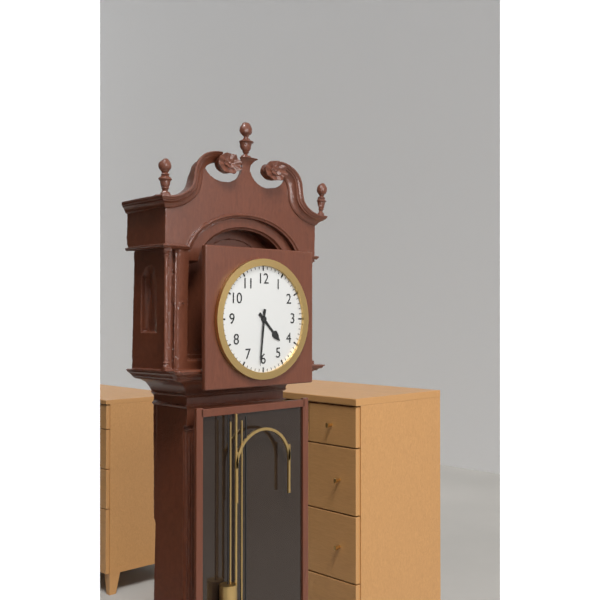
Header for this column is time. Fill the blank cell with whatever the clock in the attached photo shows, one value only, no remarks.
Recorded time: 4:31
